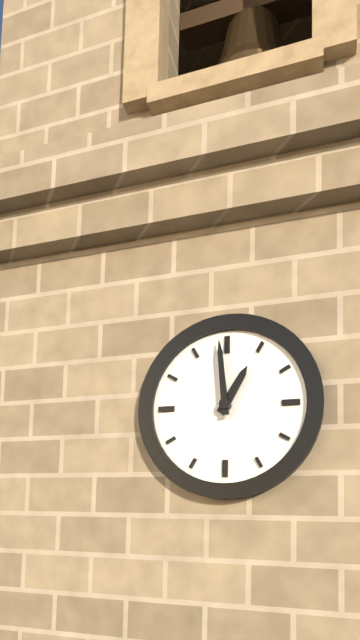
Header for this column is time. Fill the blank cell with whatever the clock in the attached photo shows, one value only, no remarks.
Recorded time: 12:59
